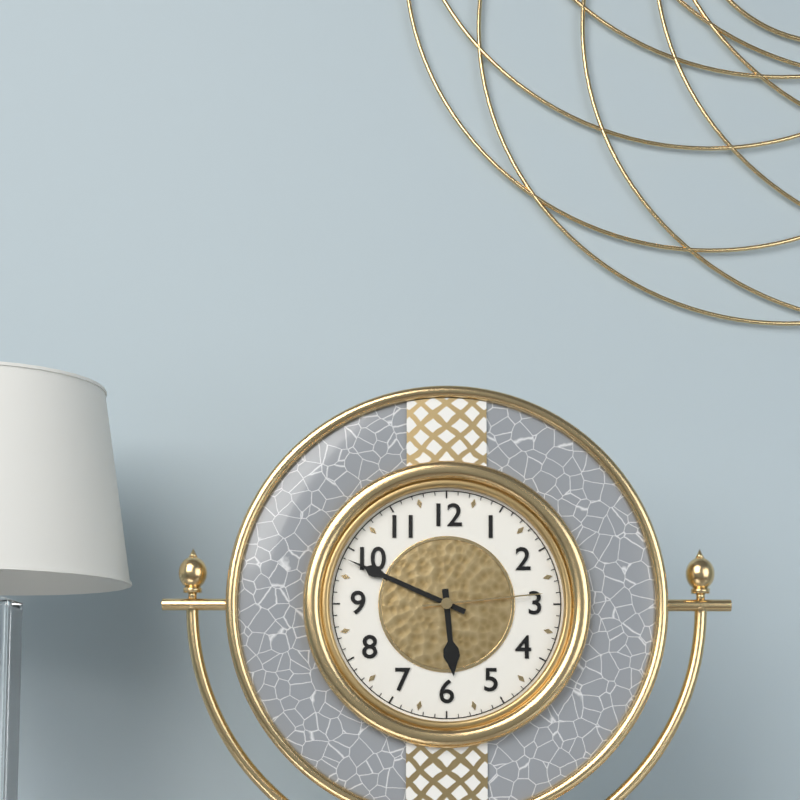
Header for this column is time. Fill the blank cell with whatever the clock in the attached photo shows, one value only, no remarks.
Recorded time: 5:49:14
